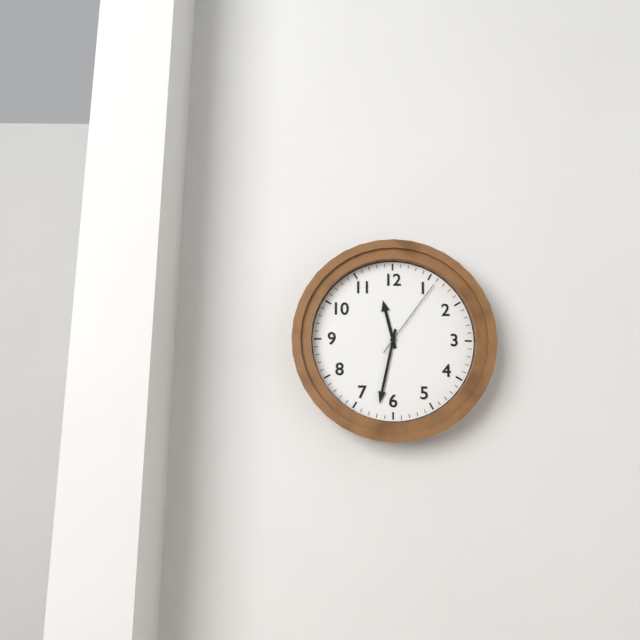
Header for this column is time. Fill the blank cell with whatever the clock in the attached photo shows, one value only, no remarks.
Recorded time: 11:32:06
